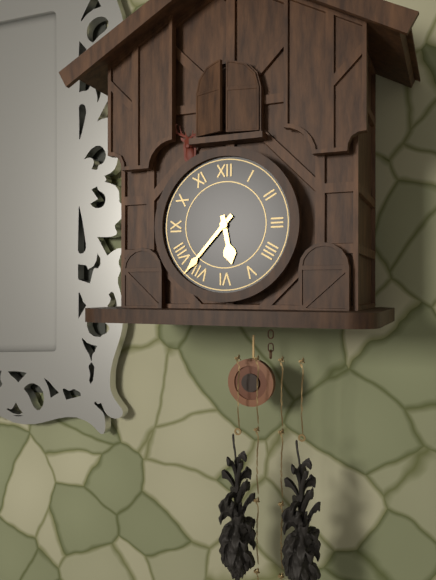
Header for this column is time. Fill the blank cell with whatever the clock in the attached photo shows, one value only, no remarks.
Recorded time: 5:37
